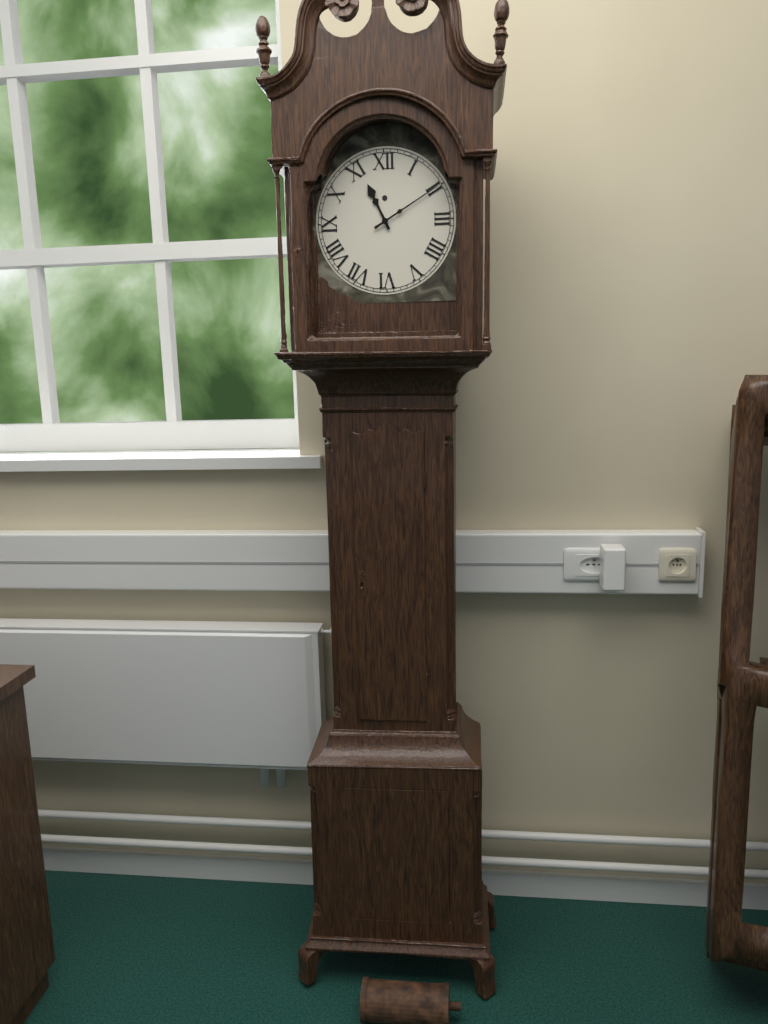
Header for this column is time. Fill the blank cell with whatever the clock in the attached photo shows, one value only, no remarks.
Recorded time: 11:10
